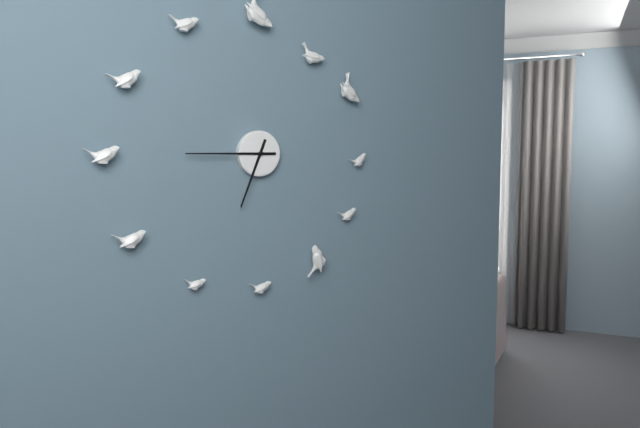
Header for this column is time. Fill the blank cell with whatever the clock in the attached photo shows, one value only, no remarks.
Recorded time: 6:45
